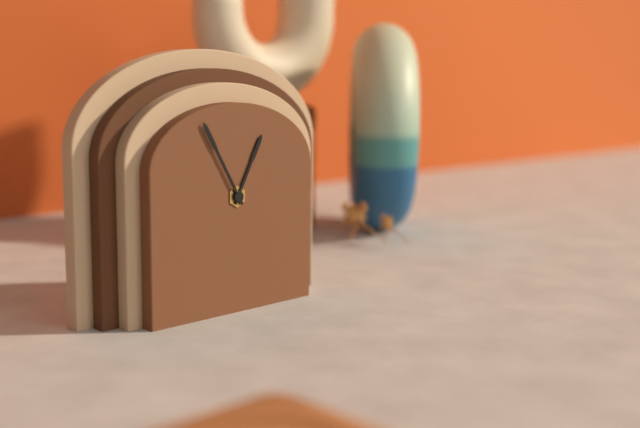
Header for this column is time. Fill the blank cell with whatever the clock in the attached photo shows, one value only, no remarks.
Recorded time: 12:55
